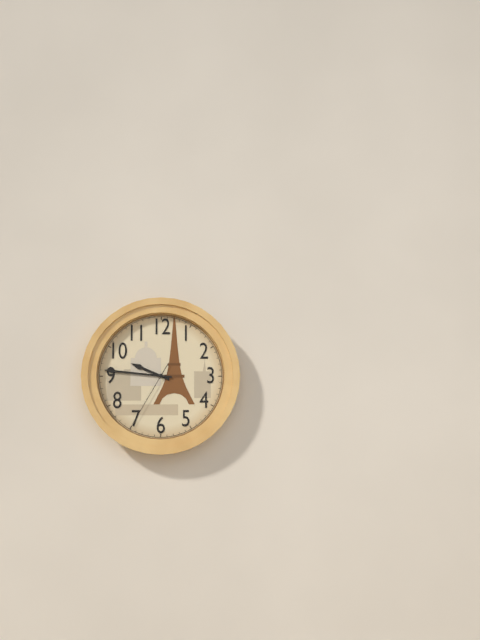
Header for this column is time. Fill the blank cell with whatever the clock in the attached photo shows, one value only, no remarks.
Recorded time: 9:46:35
